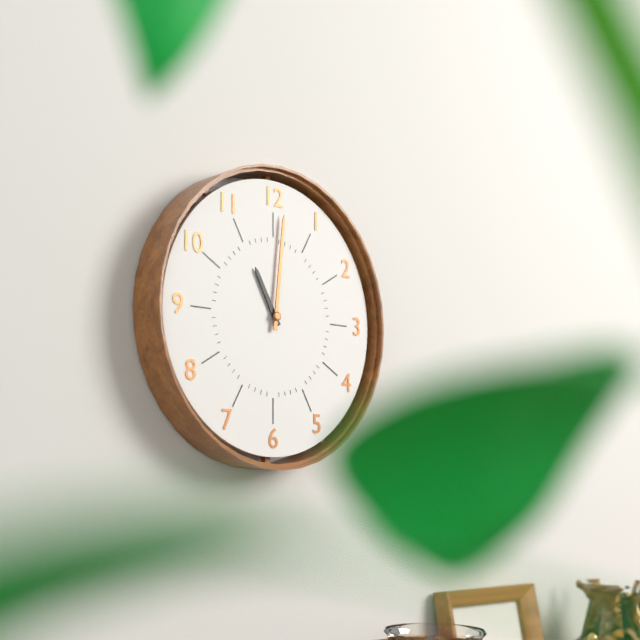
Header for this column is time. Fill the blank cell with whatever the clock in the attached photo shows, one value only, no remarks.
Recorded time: 11:01
